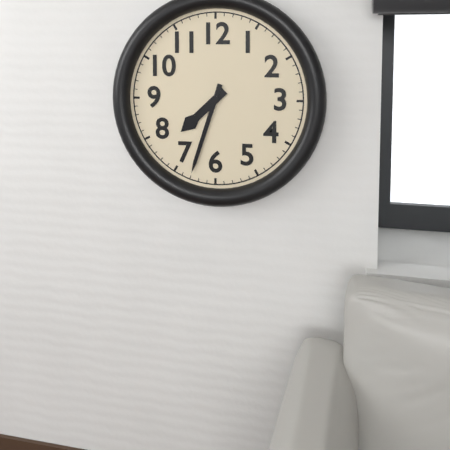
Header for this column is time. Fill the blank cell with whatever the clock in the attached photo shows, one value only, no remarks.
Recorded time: 7:33
